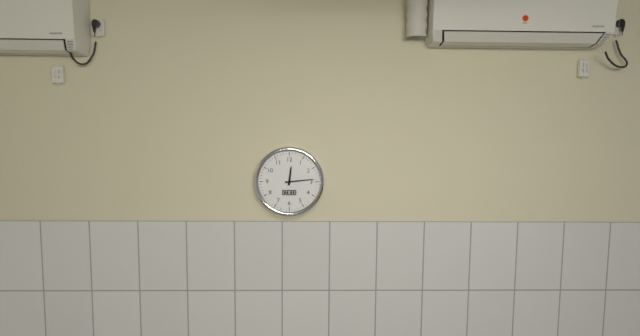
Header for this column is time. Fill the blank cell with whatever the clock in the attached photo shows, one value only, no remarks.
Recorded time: 12:14
